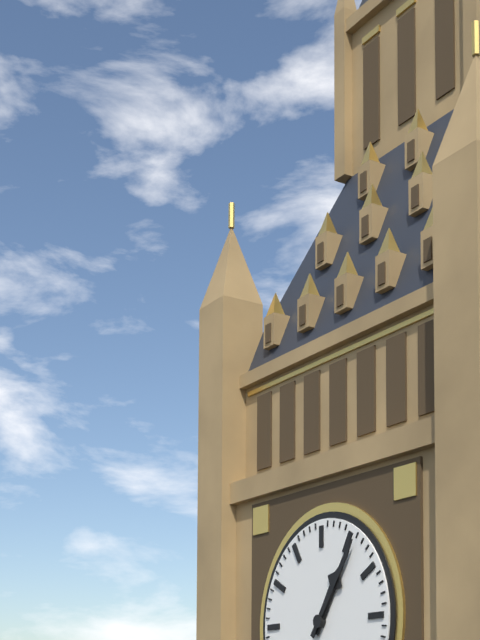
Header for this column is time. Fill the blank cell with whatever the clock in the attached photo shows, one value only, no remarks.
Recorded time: 1:06
